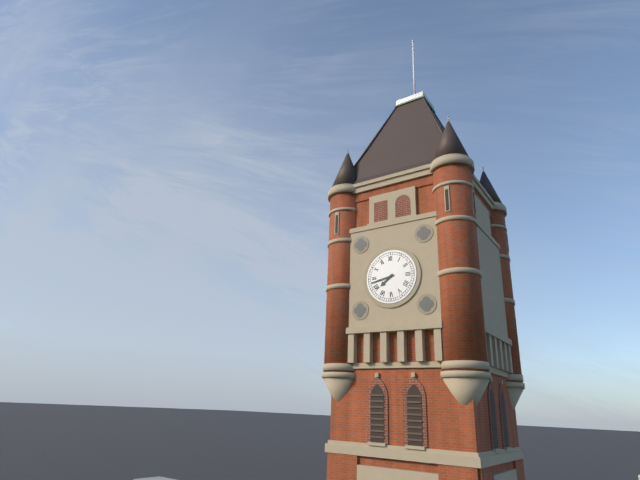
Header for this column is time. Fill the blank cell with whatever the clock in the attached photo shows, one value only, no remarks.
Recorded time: 7:43
